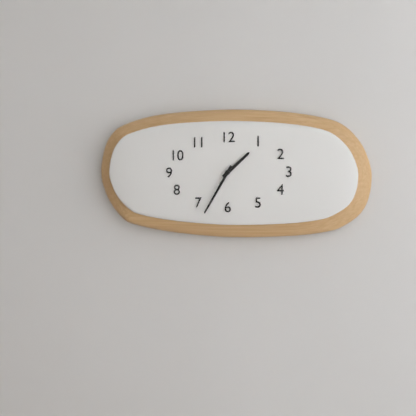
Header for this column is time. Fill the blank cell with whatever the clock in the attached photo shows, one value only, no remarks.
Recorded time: 1:35
